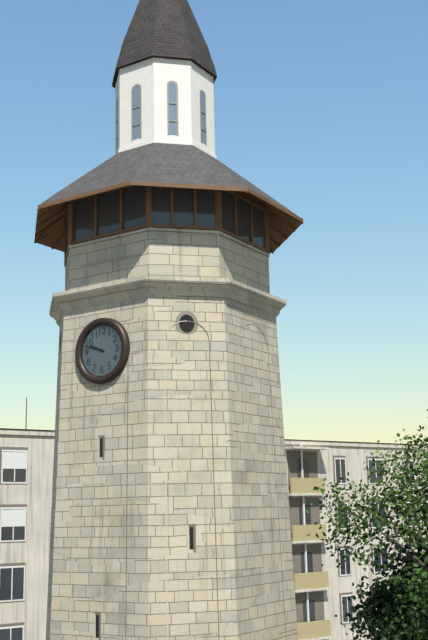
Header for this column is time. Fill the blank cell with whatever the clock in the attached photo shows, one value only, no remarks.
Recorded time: 9:48
